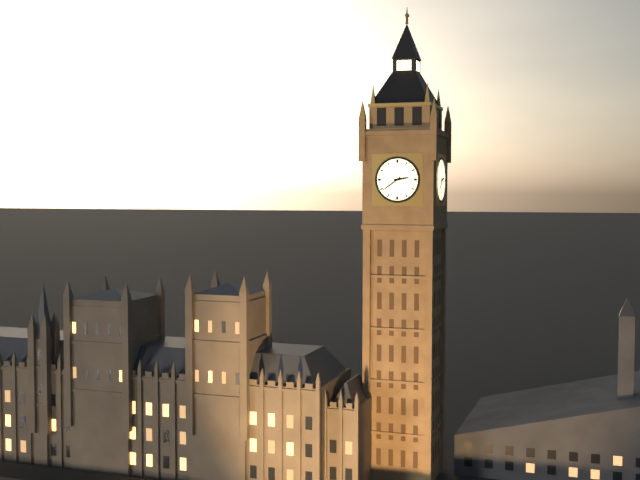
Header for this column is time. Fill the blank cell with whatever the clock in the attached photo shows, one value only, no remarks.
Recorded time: 2:39
